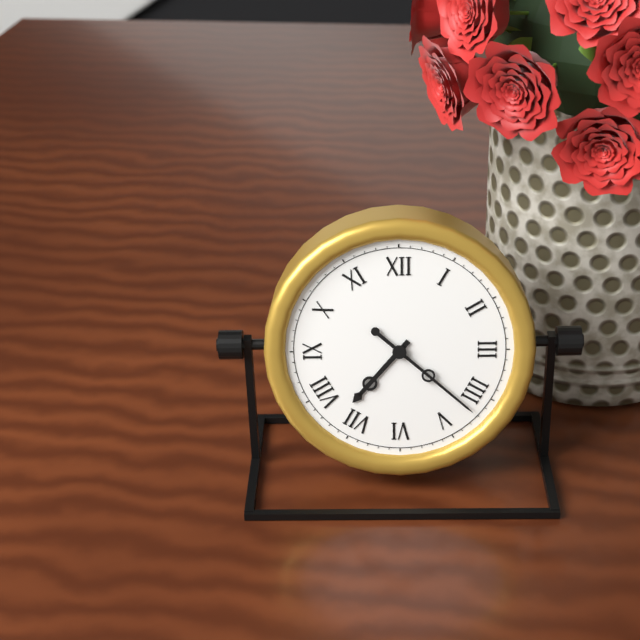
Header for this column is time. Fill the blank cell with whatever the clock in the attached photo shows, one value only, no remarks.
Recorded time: 7:22
